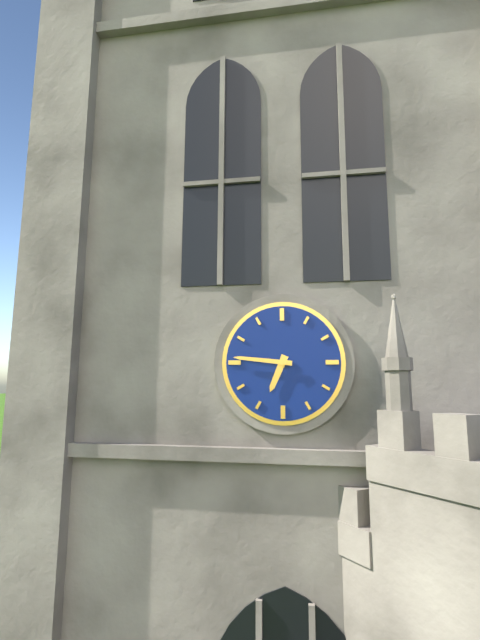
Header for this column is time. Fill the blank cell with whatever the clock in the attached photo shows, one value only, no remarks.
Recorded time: 6:46
